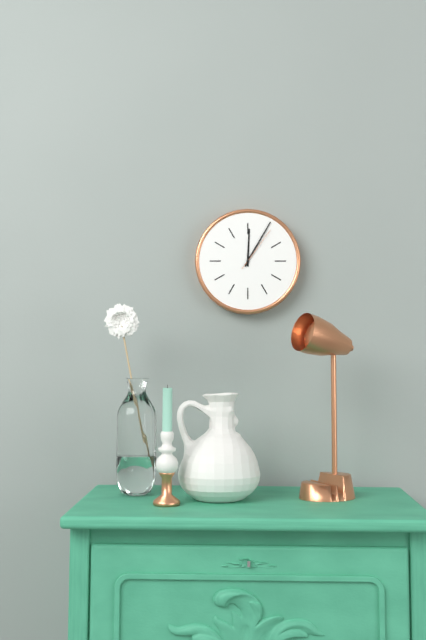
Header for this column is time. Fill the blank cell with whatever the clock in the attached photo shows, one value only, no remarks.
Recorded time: 12:05
